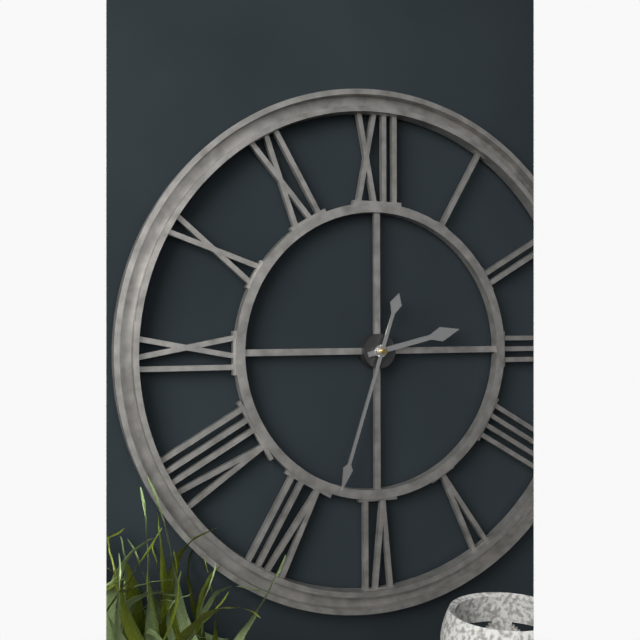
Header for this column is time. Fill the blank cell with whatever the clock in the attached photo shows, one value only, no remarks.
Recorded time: 2:33
